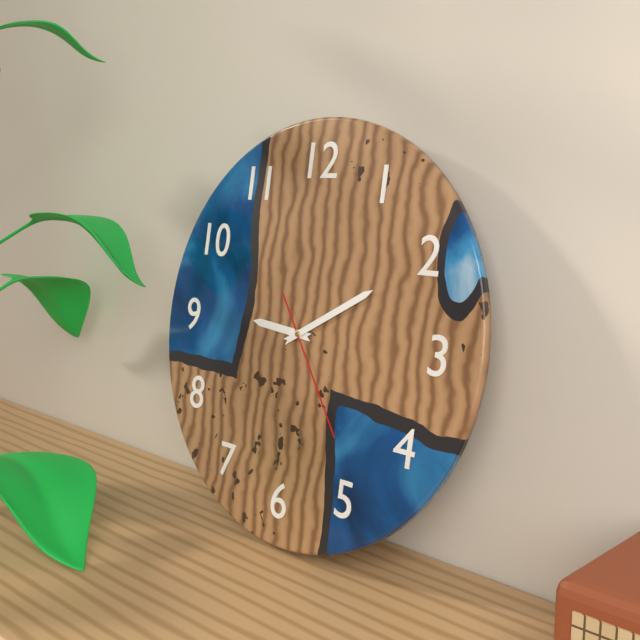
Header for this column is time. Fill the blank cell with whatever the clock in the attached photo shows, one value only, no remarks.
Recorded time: 9:10:24
